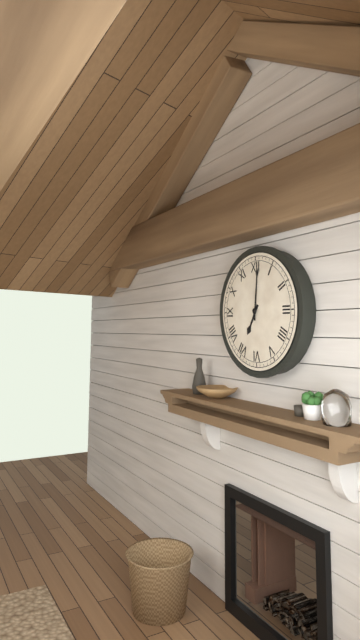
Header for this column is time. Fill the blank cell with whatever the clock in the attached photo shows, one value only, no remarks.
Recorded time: 7:01
